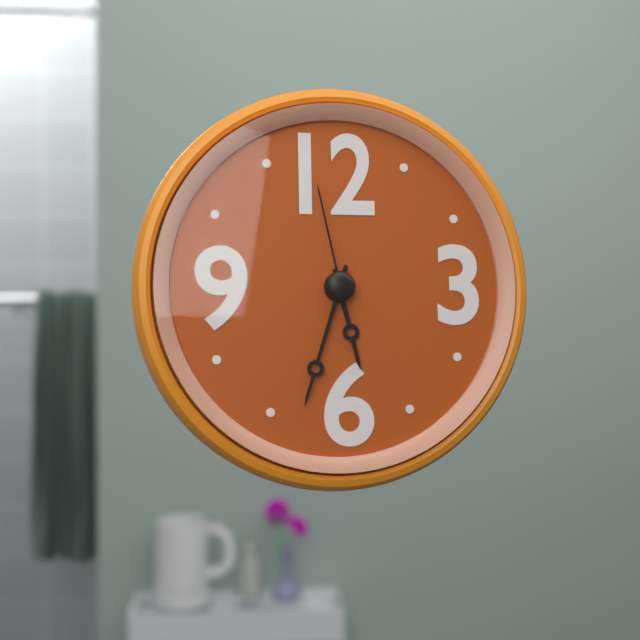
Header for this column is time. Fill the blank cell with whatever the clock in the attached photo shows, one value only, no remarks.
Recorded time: 5:33:58
